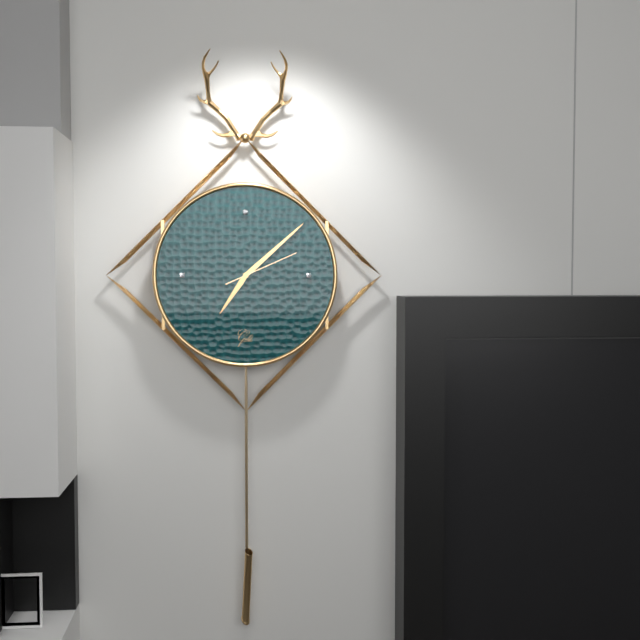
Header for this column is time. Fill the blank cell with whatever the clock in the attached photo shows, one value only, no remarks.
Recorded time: 7:08:11
